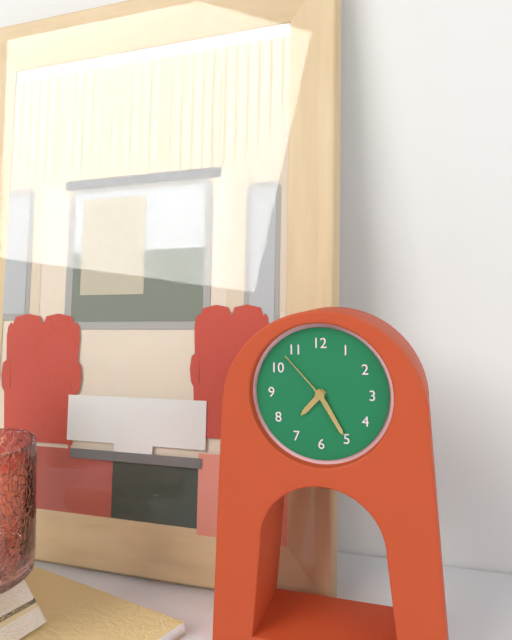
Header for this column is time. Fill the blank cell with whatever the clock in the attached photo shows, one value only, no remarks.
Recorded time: 7:25:53
